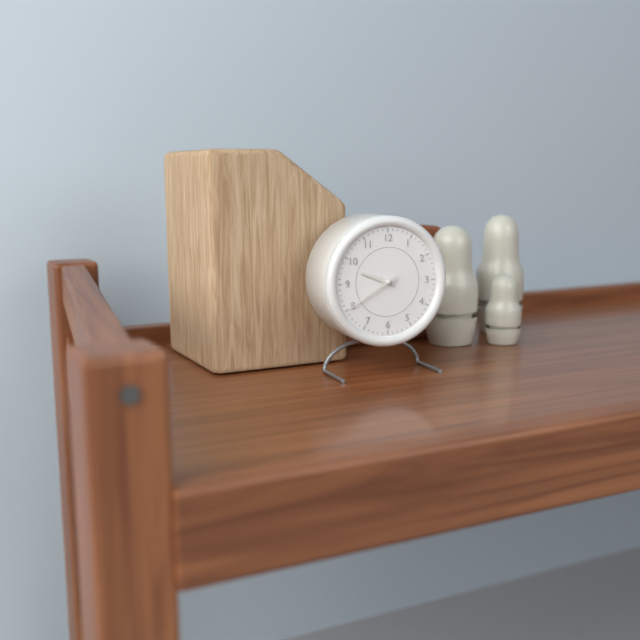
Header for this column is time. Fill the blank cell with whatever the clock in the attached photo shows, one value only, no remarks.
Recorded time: 9:40
